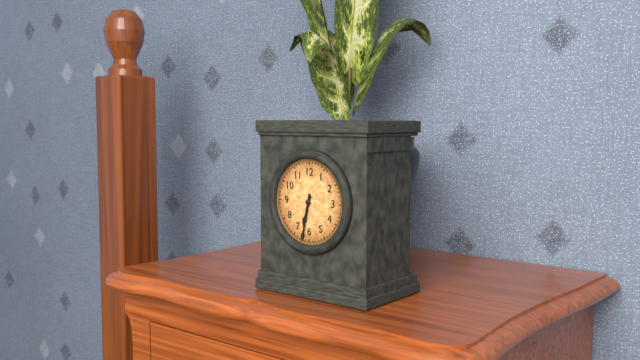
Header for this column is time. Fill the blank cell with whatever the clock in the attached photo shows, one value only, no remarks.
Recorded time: 6:32
